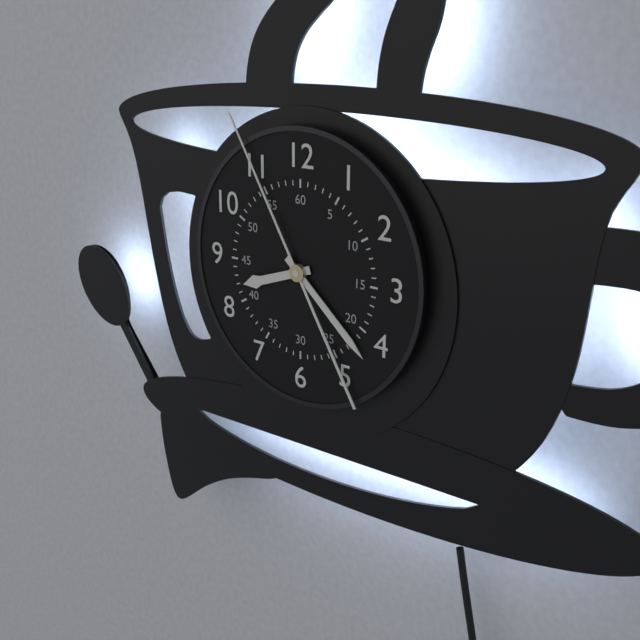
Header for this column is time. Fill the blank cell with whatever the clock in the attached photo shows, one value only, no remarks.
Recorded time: 8:22:55
